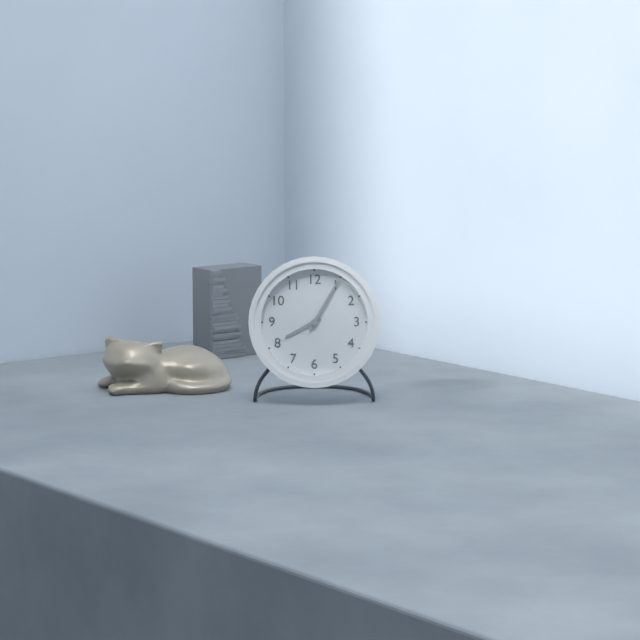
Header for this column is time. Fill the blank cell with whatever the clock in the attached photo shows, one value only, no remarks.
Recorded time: 8:05
